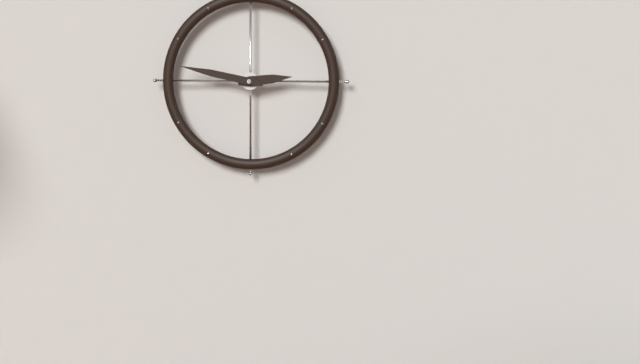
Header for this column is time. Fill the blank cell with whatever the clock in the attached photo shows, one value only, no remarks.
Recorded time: 2:47
